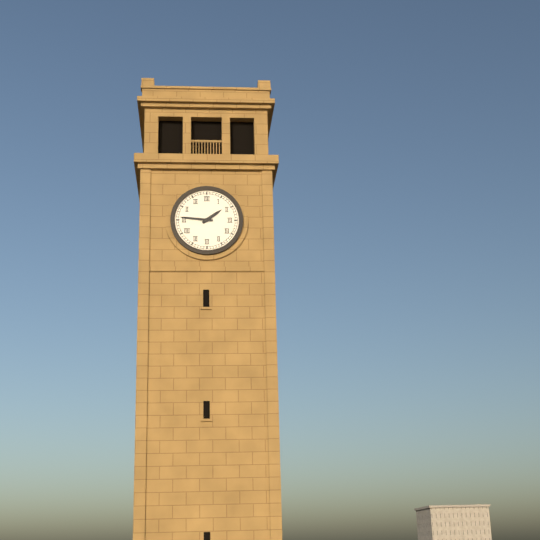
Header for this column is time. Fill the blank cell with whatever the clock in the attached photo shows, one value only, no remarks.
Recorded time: 1:46
